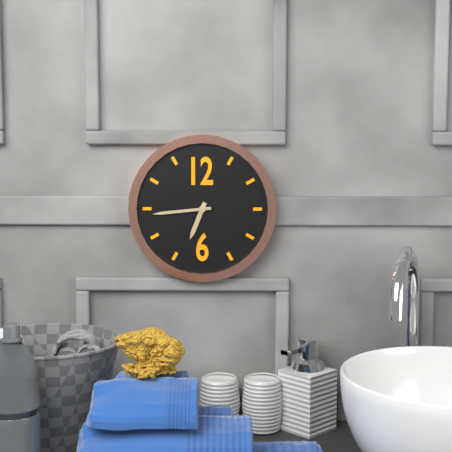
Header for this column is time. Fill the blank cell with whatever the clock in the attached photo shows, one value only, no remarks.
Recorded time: 6:44
